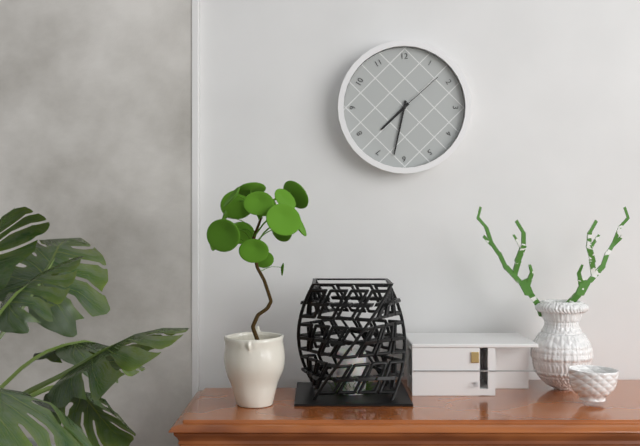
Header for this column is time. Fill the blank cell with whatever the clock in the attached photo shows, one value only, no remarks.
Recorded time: 7:32:08
